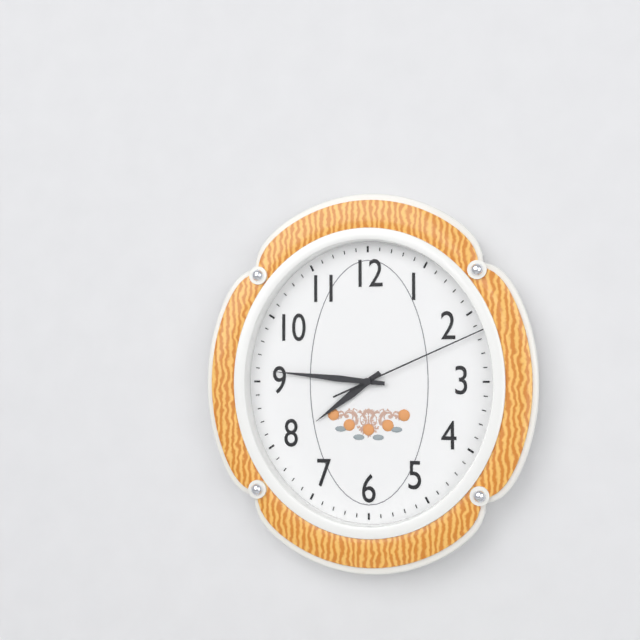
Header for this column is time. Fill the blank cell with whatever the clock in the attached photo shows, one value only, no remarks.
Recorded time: 7:46:11
